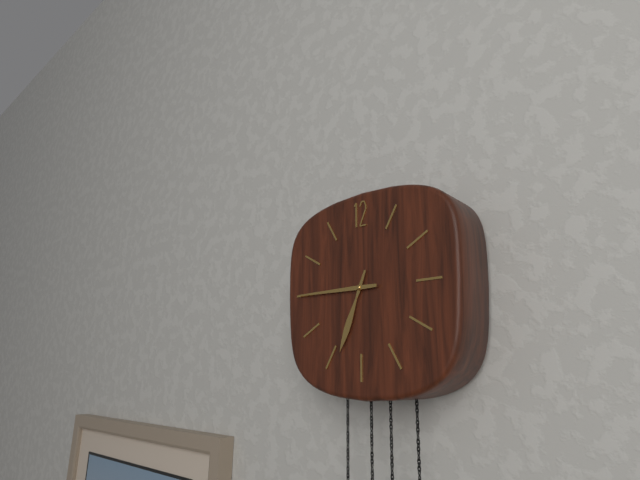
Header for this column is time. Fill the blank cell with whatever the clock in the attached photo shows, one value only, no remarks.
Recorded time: 6:45
